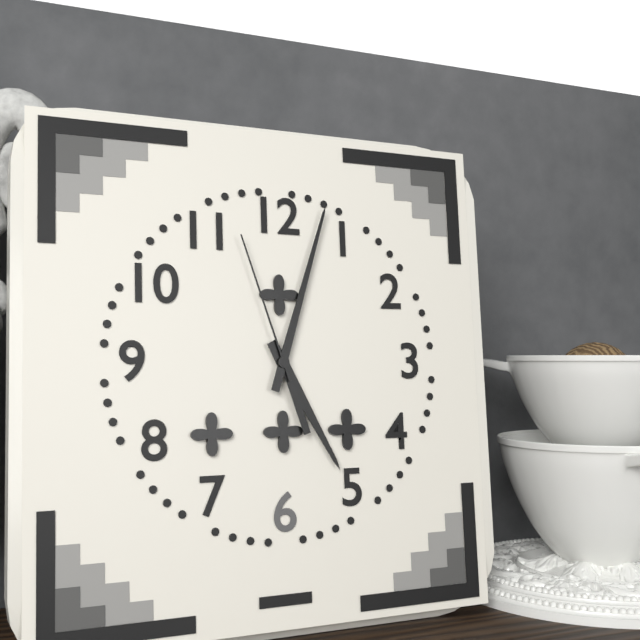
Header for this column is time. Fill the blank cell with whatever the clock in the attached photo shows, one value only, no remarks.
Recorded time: 5:03:57
